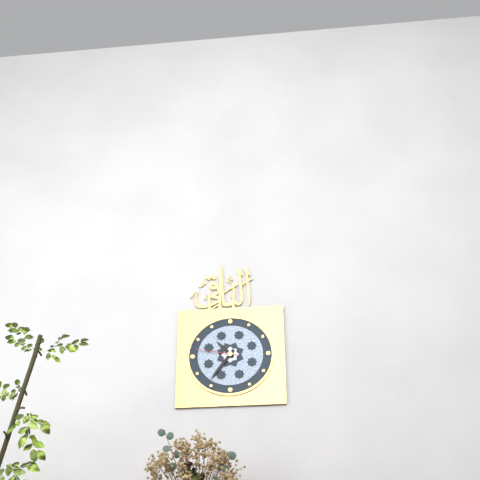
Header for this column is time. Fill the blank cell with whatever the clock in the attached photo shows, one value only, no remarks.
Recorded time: 10:36
